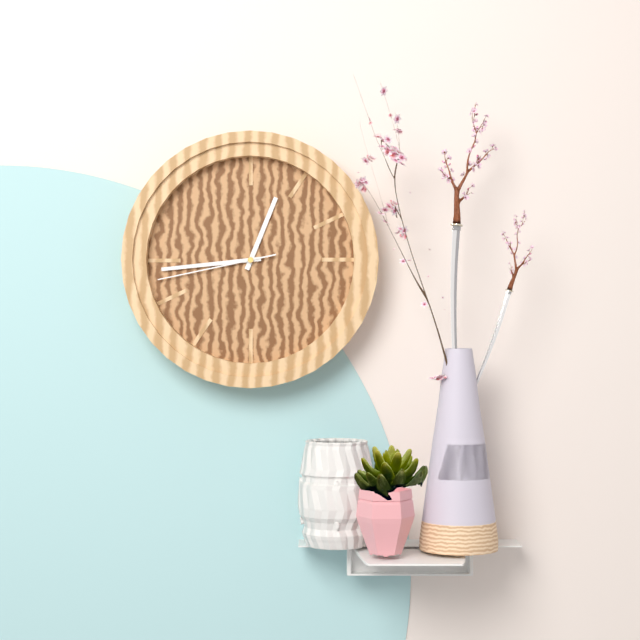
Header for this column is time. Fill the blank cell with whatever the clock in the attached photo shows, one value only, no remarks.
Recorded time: 12:44:43
